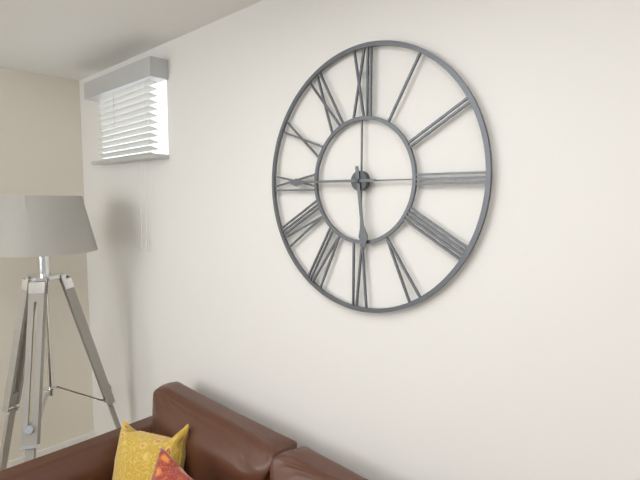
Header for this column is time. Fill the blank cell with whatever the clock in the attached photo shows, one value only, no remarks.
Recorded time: 5:45
